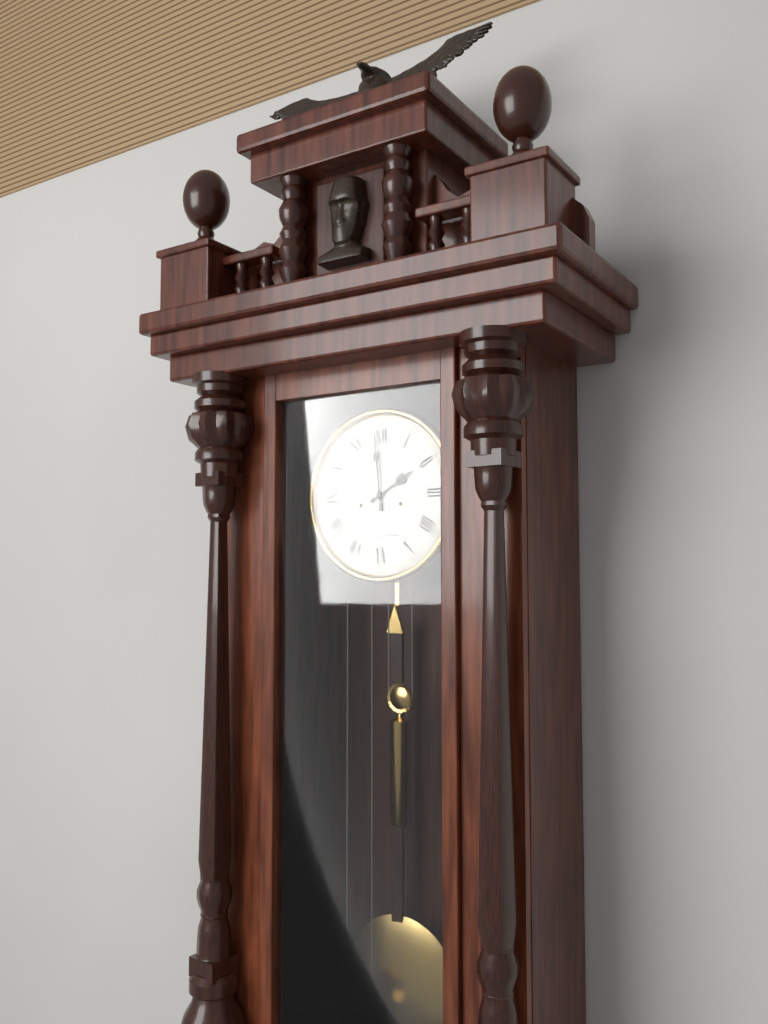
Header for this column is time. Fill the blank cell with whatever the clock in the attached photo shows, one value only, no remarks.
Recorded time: 1:59
